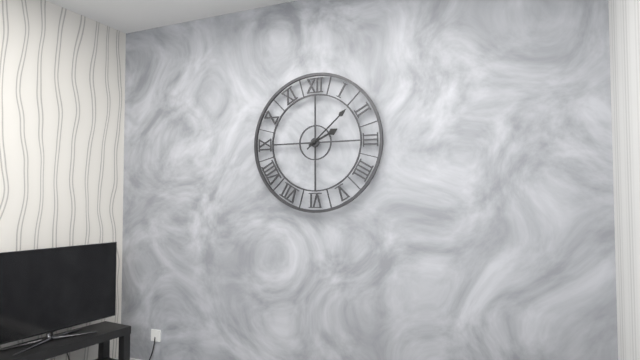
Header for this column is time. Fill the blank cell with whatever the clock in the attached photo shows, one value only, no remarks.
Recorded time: 2:08
